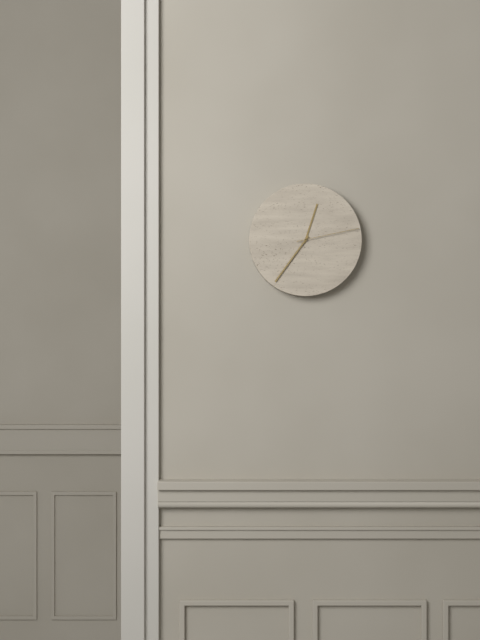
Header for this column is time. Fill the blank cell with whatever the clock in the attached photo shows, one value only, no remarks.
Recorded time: 12:36:13
